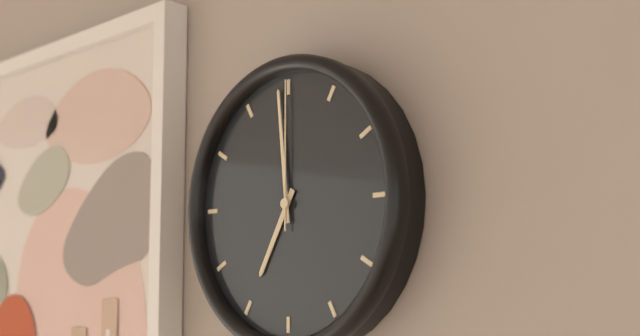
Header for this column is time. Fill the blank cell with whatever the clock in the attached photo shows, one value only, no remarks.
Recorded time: 6:59:00
